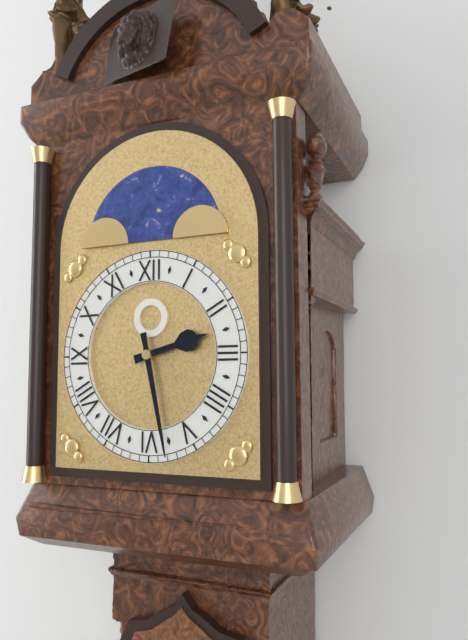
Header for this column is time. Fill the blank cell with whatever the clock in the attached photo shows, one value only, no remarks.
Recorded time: 2:28
